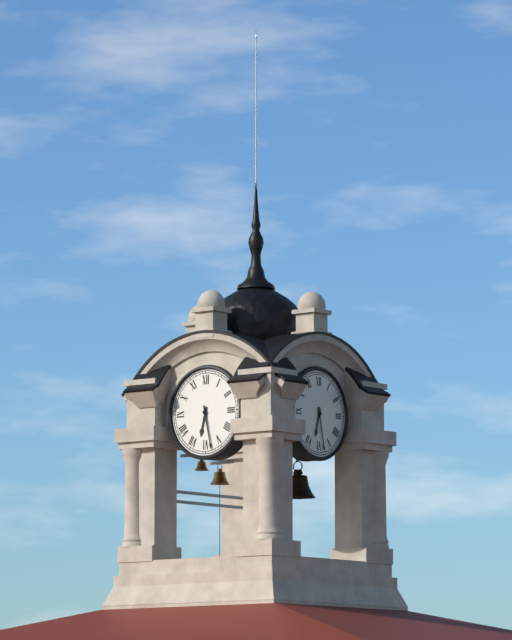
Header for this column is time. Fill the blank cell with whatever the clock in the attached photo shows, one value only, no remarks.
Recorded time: 6:28
